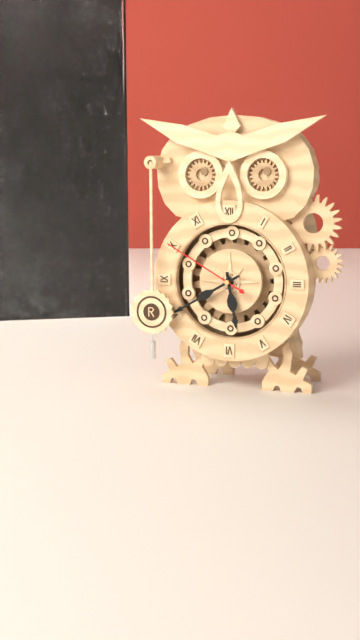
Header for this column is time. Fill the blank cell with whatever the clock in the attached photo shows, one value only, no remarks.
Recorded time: 5:40:50
